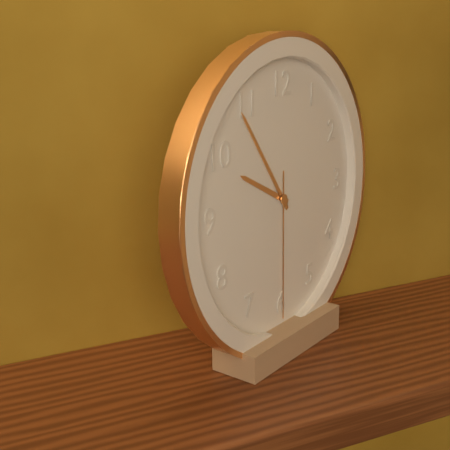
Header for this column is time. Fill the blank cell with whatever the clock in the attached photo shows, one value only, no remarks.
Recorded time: 9:54:30
